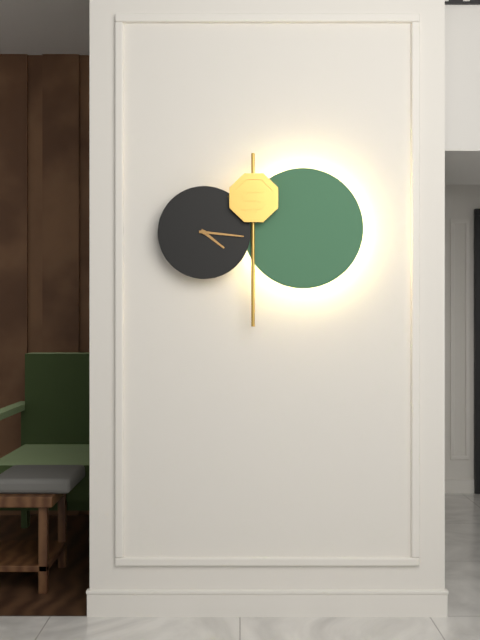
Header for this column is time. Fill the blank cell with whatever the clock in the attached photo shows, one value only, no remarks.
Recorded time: 4:16
